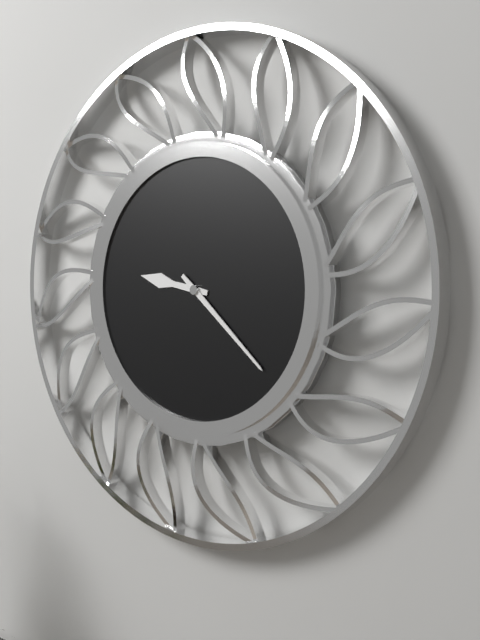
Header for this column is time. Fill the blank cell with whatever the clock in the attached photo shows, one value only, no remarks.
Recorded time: 9:22
